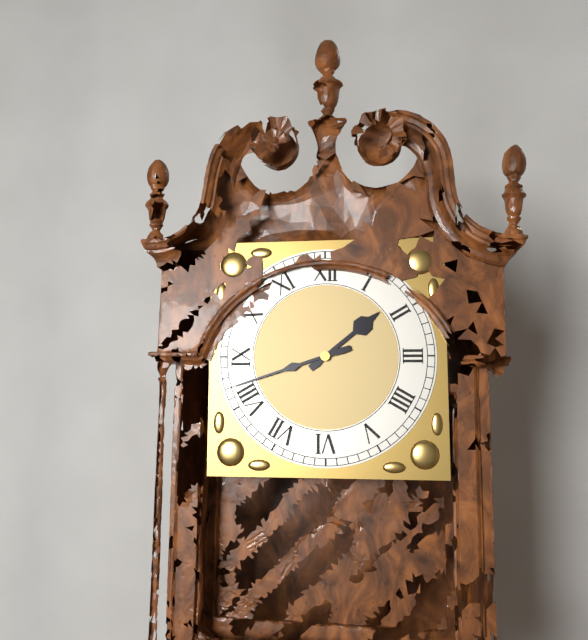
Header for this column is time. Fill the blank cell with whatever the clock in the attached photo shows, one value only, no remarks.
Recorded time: 1:42
